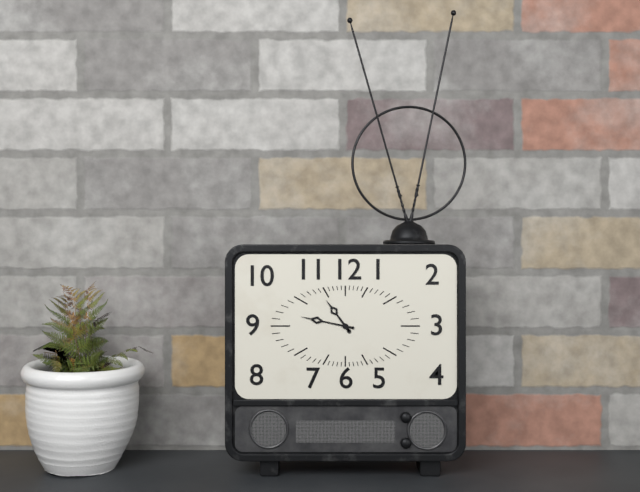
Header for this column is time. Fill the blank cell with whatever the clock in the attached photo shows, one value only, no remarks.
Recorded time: 10:47
